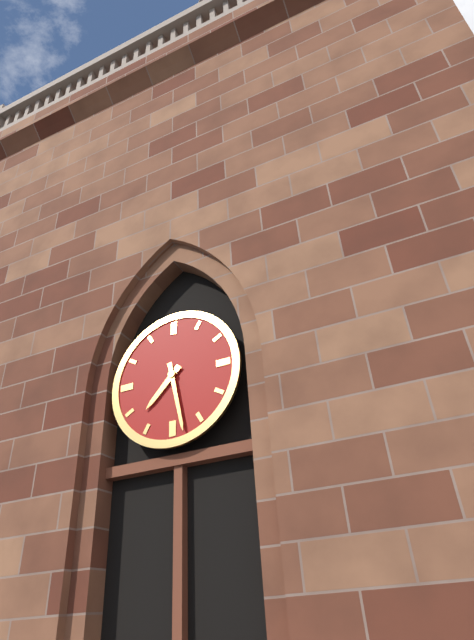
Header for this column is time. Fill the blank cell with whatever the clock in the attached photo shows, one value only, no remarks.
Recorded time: 7:28
